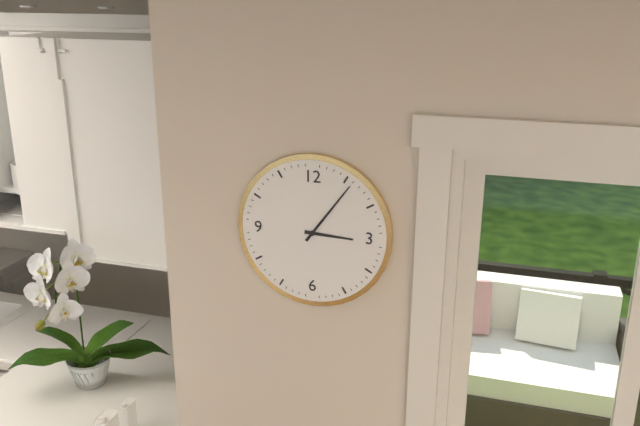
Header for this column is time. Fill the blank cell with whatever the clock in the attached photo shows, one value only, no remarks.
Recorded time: 3:06
